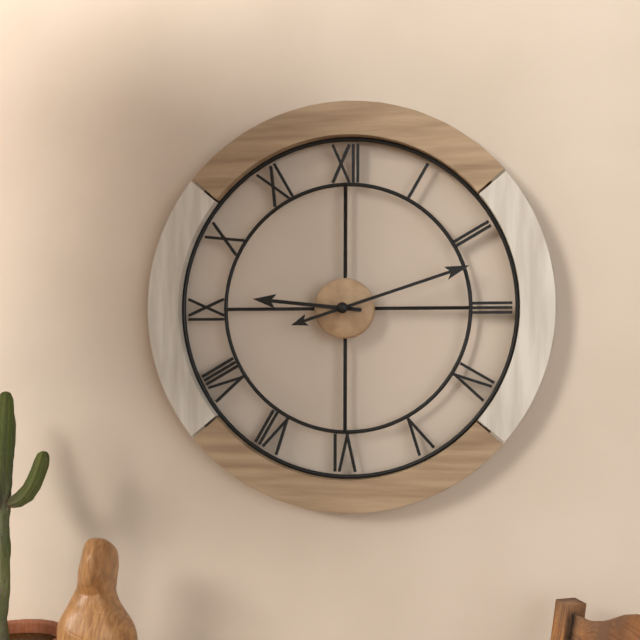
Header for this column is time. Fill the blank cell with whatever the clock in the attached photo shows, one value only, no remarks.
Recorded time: 9:12
